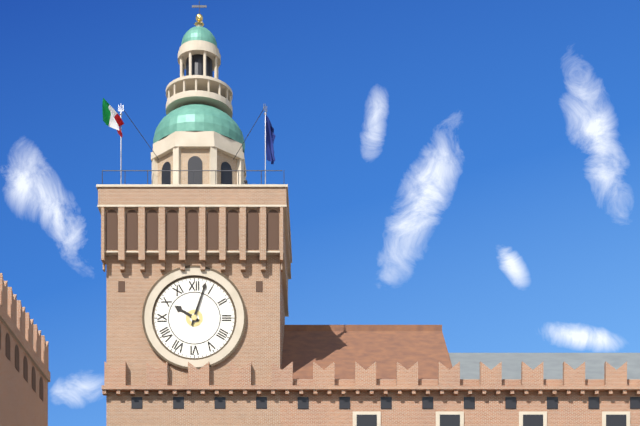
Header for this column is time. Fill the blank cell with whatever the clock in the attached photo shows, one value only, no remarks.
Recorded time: 10:03
